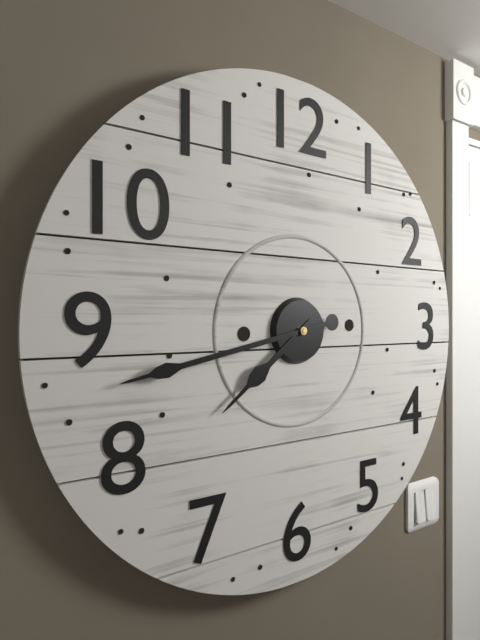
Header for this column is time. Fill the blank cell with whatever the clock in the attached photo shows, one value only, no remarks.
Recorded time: 7:43
